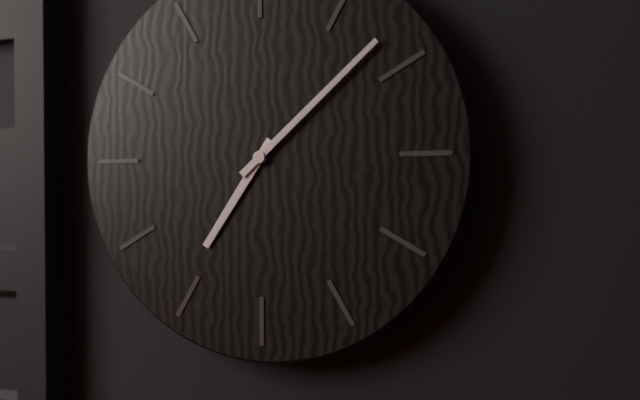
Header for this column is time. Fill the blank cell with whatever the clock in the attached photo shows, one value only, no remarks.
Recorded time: 7:08
